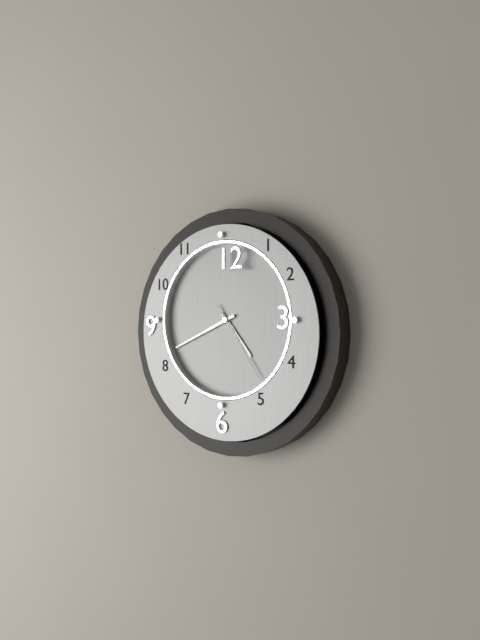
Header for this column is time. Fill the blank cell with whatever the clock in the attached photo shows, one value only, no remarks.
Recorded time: 4:41:24
